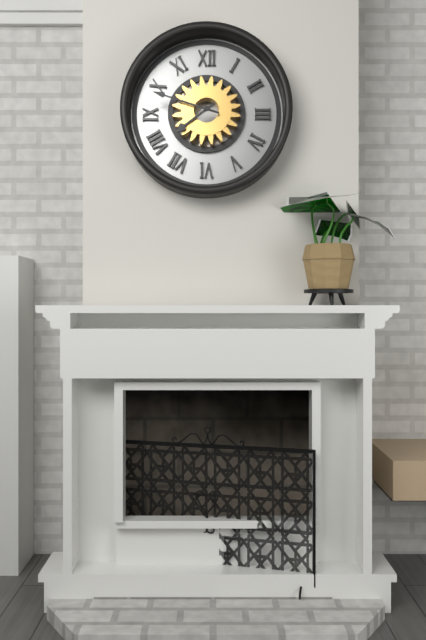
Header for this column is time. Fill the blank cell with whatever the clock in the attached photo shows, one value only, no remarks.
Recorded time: 7:48
